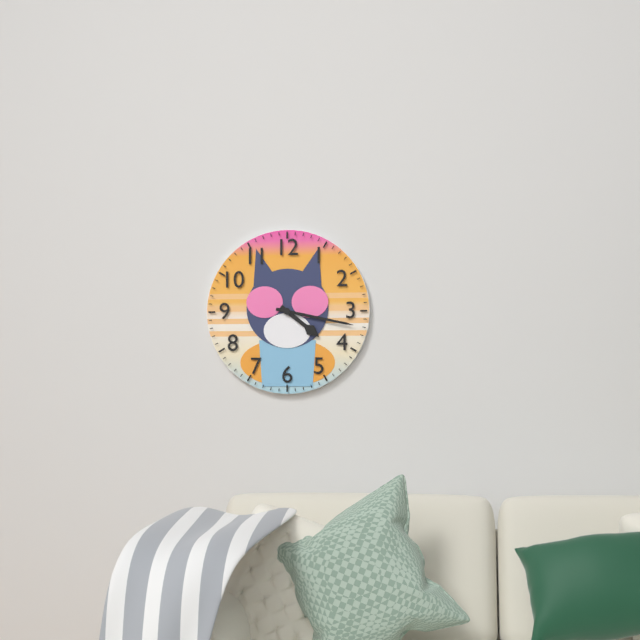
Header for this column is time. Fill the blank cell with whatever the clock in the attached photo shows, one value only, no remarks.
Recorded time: 4:17
